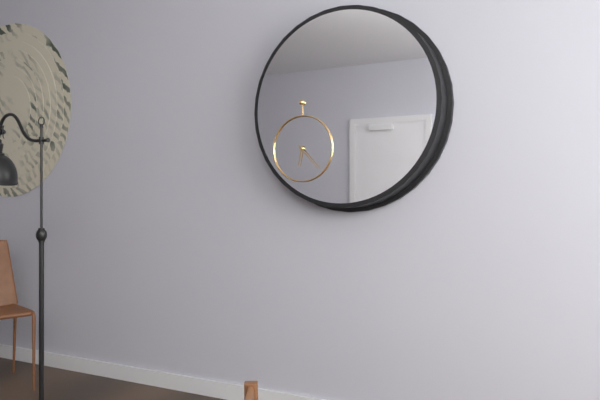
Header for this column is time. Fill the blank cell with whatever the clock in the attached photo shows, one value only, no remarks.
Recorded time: 6:23
